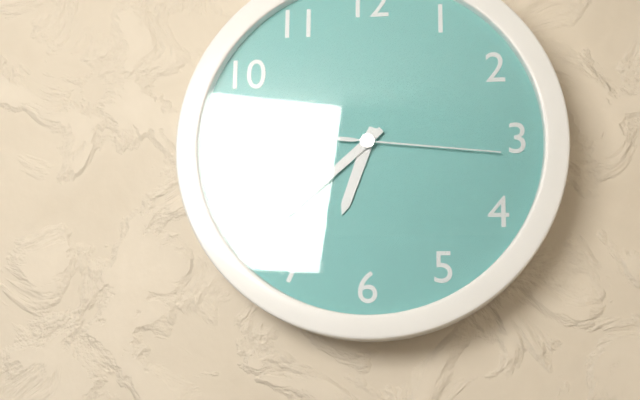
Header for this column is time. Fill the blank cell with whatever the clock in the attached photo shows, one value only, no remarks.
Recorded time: 6:38:16
